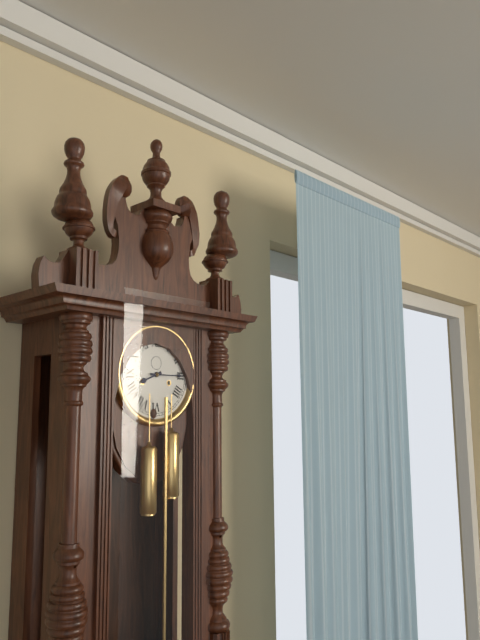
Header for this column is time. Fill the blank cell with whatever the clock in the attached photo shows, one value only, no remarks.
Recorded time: 8:15
